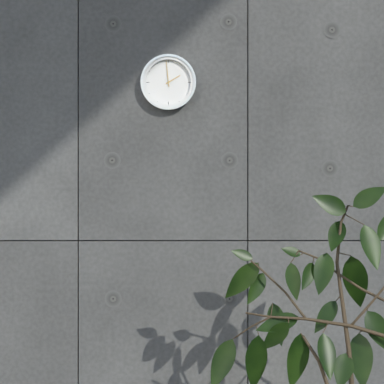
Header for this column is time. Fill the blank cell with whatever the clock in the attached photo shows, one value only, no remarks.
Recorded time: 1:59
